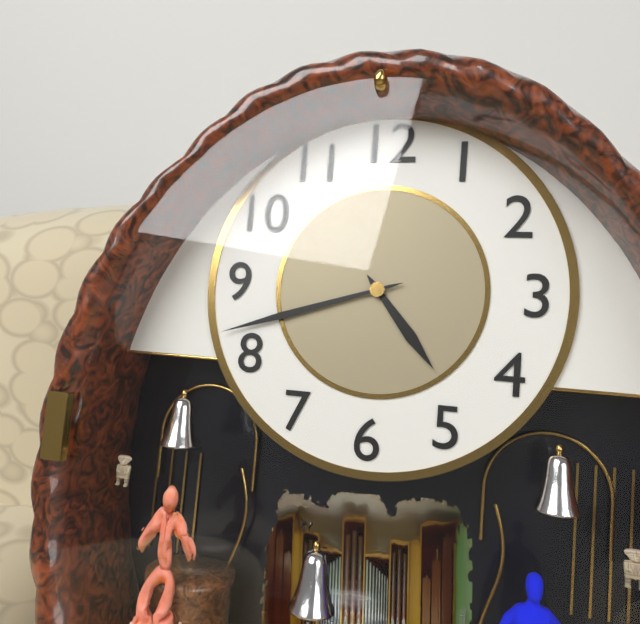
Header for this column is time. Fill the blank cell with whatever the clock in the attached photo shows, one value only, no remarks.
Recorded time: 4:42
